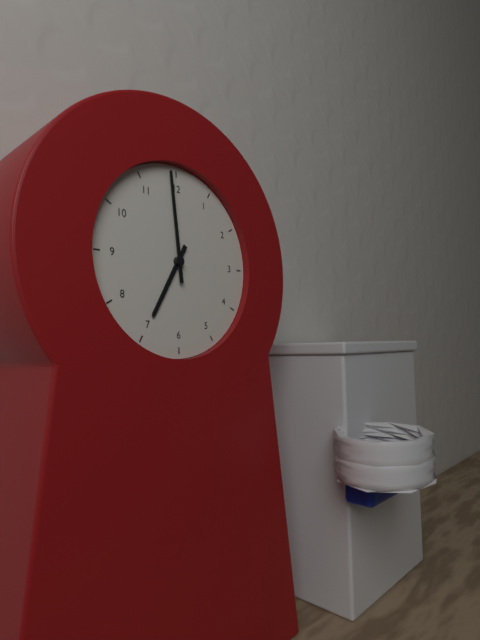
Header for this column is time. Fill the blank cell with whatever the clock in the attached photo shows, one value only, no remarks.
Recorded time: 6:59
